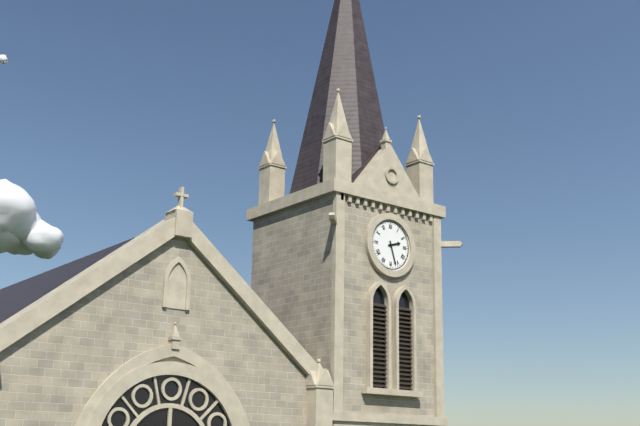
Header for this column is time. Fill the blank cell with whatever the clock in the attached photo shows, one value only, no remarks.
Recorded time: 2:27
